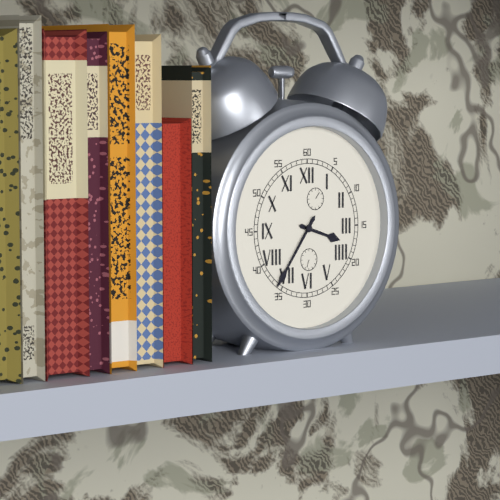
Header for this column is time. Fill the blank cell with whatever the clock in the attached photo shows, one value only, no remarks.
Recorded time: 3:36
